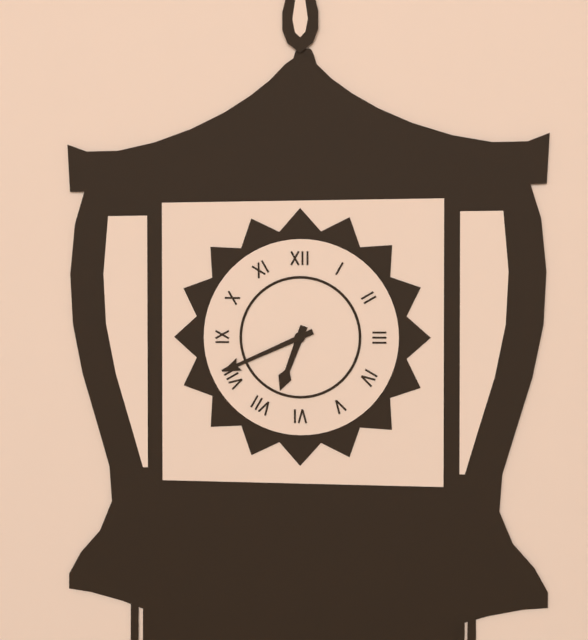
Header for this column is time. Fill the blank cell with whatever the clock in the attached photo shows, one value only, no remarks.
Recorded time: 6:41
